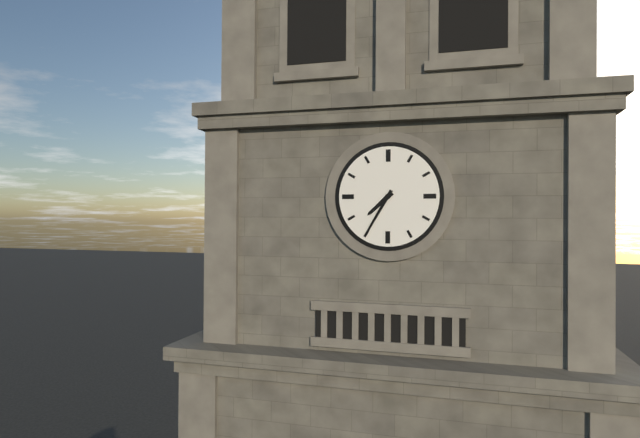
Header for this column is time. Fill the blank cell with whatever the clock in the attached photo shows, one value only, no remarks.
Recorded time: 7:35
